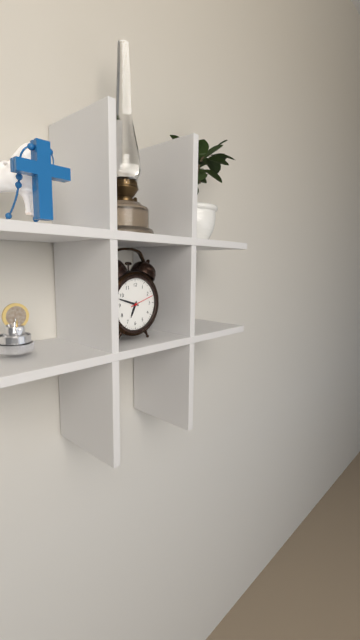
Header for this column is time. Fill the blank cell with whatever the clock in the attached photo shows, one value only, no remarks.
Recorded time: 6:48
